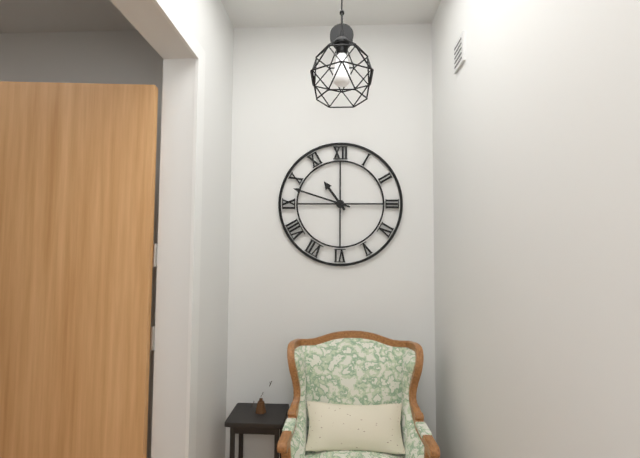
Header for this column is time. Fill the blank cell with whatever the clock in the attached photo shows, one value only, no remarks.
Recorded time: 10:48
